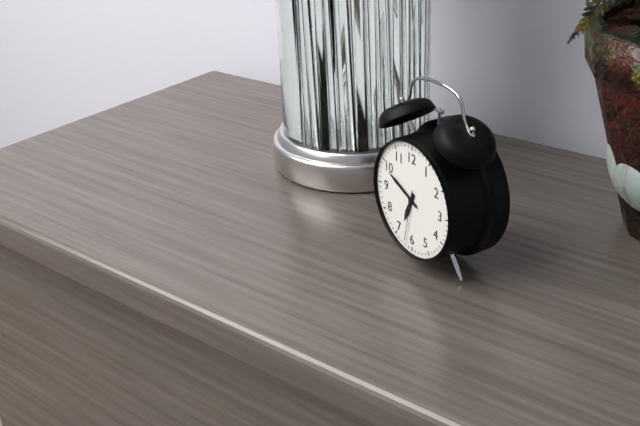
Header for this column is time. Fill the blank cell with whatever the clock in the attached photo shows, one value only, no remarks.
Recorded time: 6:49:32
